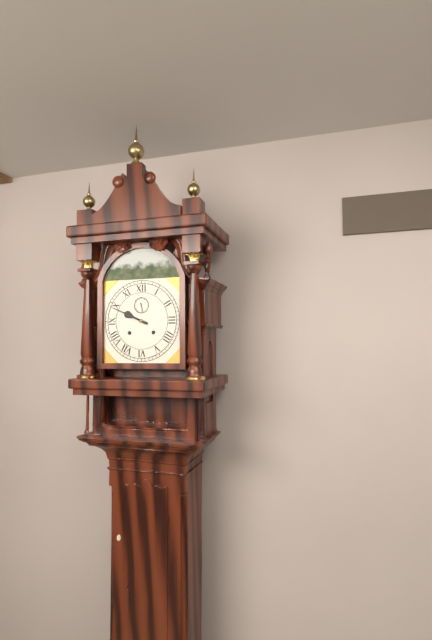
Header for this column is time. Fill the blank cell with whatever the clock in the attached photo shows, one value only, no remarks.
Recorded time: 9:49
